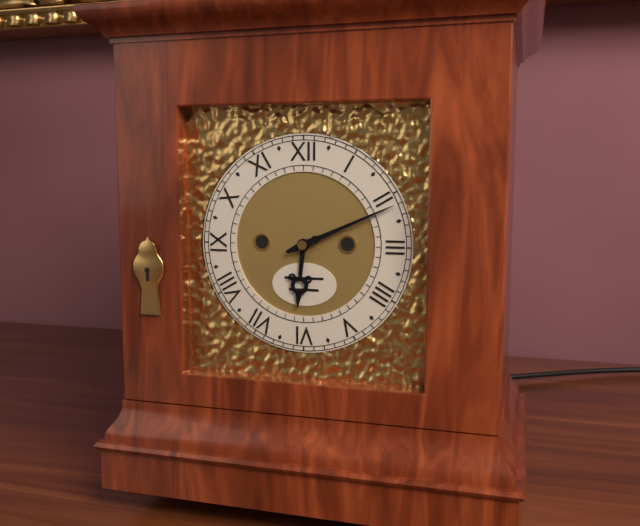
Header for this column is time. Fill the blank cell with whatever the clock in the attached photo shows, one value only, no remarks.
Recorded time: 6:11
